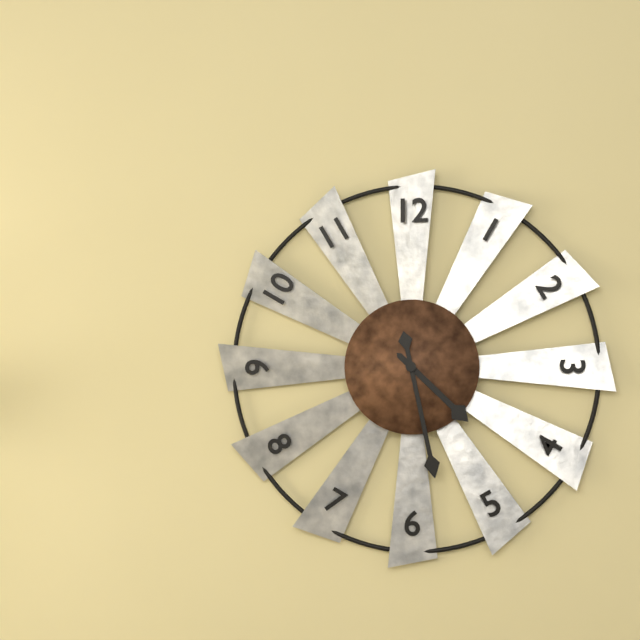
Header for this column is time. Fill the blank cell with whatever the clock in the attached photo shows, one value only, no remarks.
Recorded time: 4:28
